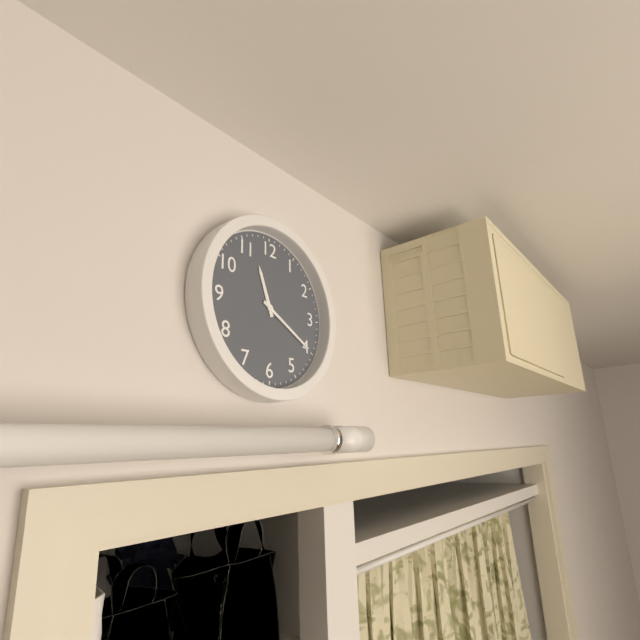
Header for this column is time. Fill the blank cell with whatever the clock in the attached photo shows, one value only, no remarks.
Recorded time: 11:20
